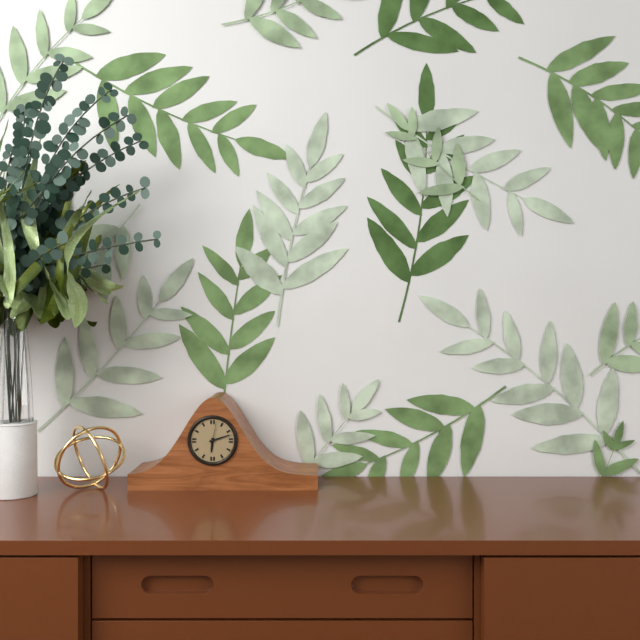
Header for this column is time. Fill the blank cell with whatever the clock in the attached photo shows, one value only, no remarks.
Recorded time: 6:12
